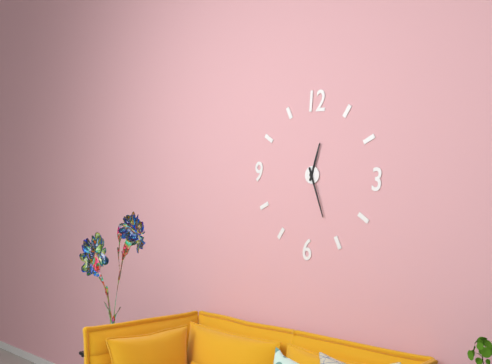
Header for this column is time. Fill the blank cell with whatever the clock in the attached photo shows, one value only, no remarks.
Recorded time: 12:26
